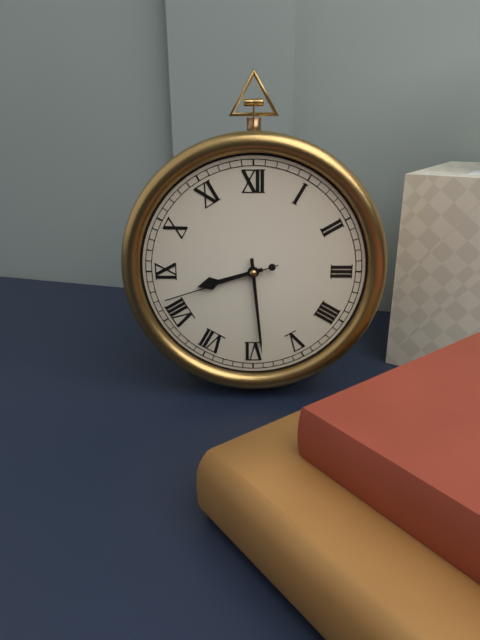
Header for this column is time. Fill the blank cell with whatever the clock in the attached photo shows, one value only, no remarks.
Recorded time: 8:29:42
